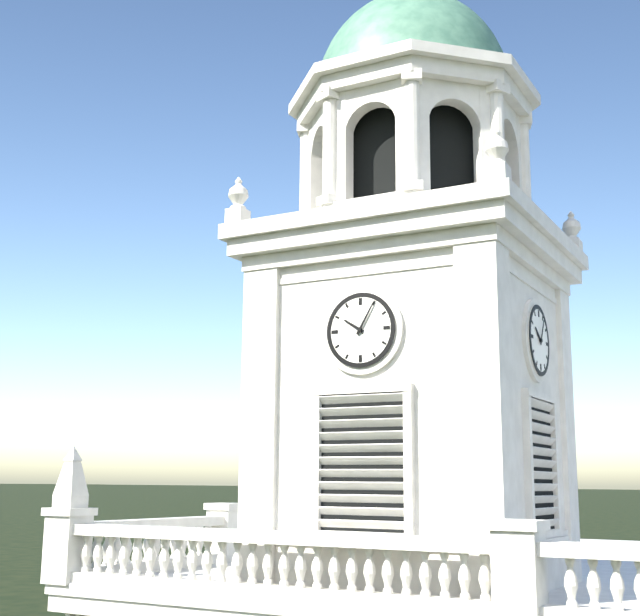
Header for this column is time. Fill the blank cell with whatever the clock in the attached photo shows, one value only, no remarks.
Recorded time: 10:05
